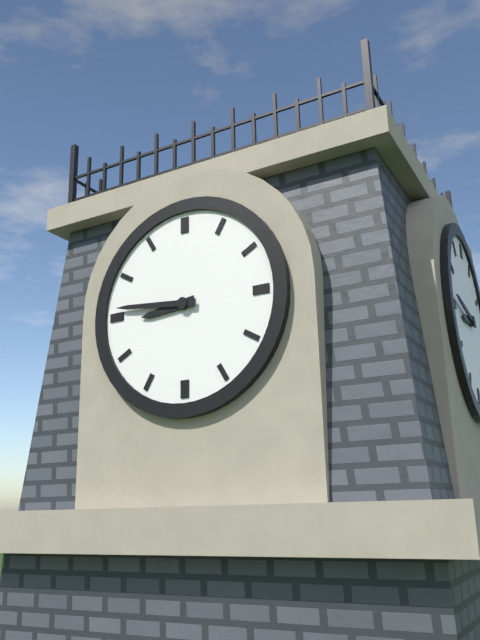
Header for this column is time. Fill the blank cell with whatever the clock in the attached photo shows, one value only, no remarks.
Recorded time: 8:46
